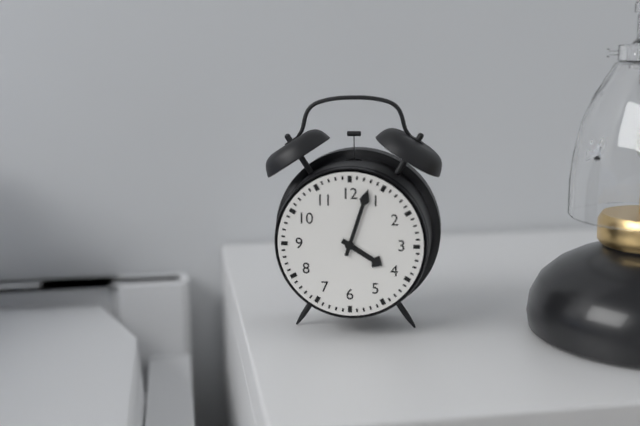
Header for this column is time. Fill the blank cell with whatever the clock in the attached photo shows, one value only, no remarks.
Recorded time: 4:03
